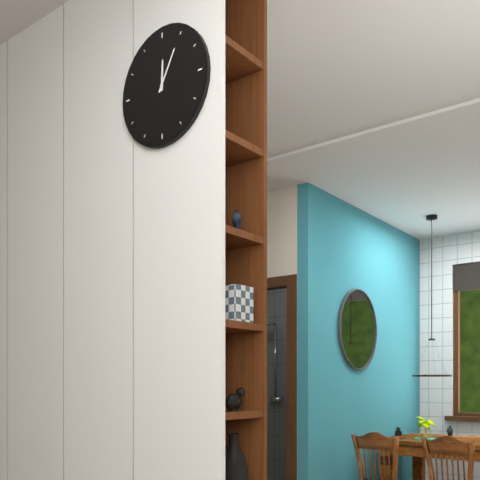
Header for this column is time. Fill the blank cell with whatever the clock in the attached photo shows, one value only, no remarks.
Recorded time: 12:05
